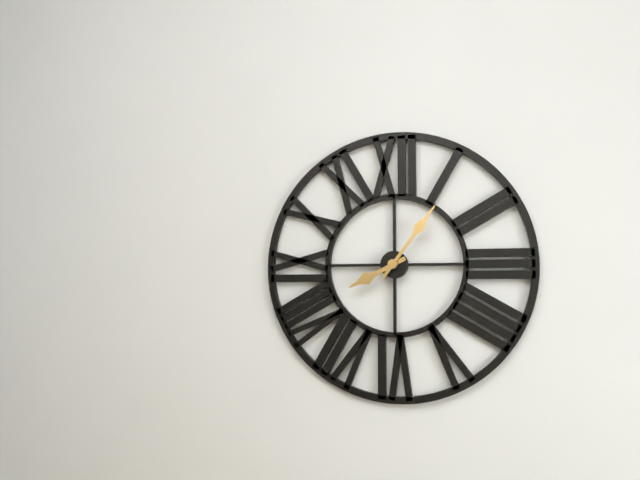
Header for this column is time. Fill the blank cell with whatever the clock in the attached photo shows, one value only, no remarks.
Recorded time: 8:06
